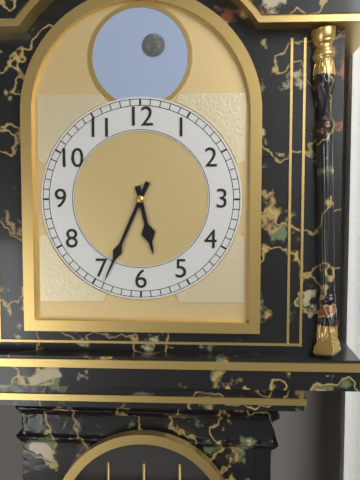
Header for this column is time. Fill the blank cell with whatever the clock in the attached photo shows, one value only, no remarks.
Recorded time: 5:34
